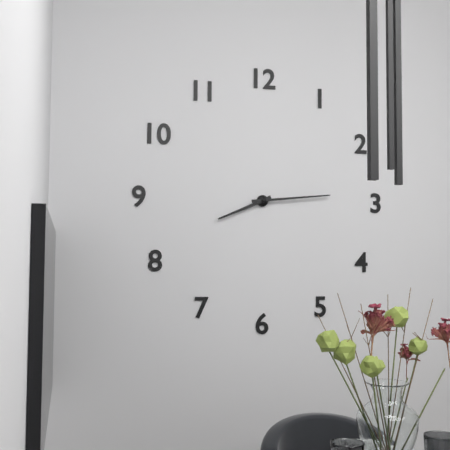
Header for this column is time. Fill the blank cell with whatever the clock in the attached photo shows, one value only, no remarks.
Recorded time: 8:14
